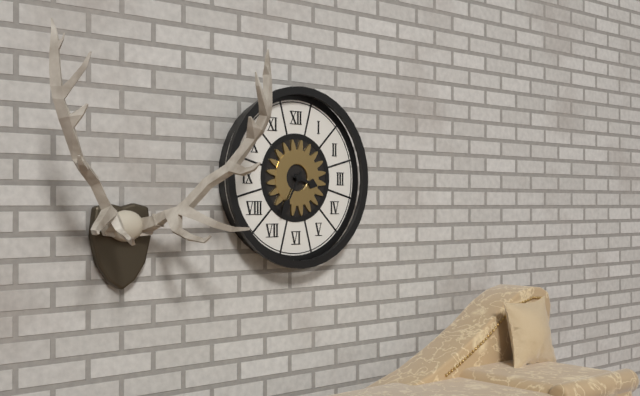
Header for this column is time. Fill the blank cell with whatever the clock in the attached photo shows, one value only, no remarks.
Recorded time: 3:35
